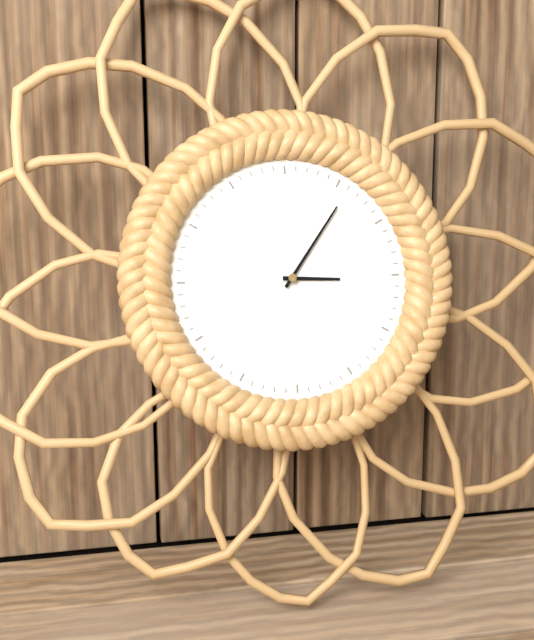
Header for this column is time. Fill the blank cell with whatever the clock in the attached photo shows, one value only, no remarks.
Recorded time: 3:06
